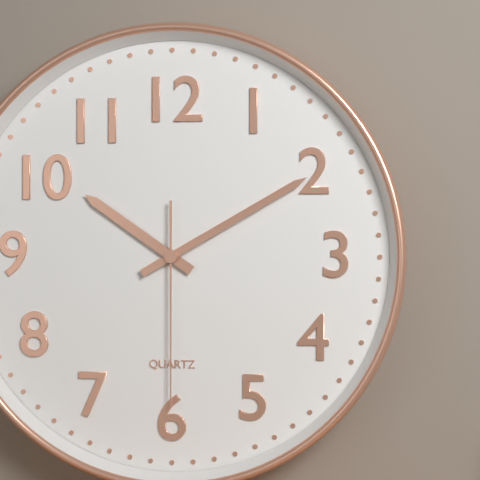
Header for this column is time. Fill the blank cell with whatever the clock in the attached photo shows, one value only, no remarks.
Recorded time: 10:10:30
